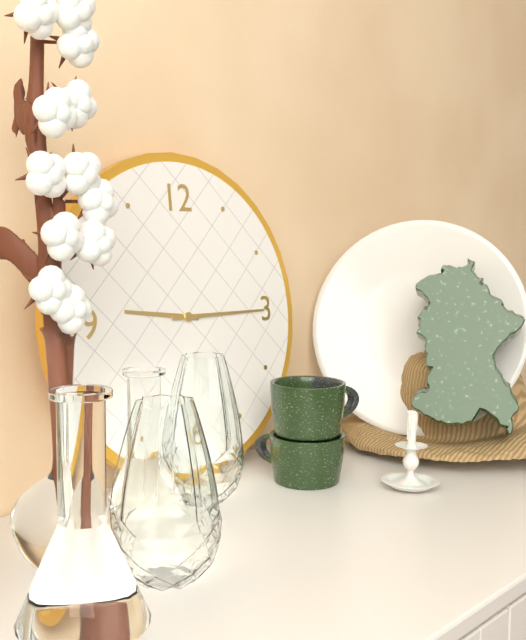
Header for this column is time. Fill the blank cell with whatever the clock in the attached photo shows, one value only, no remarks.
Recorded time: 9:15
